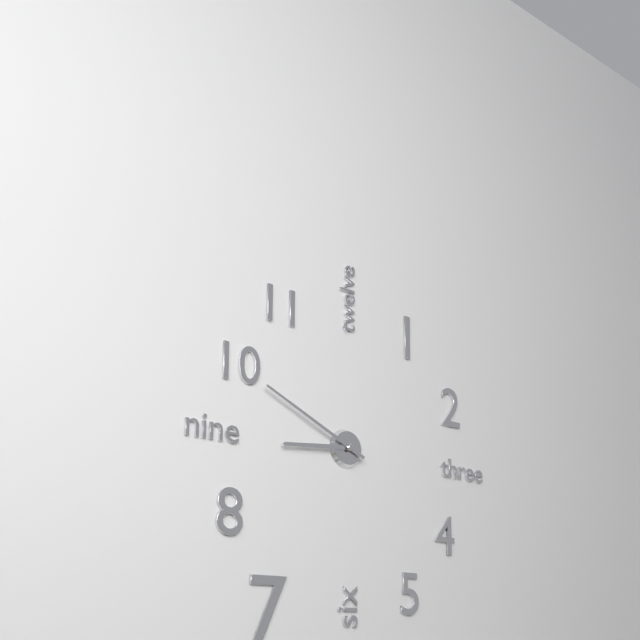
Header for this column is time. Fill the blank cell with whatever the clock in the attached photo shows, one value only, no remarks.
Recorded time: 8:49
